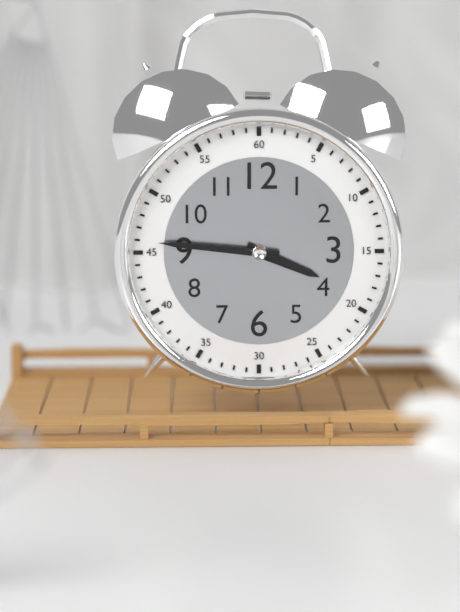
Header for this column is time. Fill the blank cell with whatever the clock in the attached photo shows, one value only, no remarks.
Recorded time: 3:46
